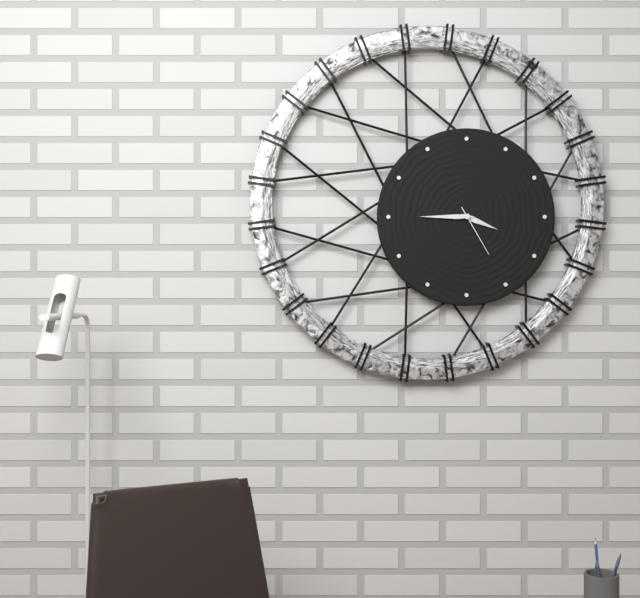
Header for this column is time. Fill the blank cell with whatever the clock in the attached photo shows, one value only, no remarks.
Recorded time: 3:45:25
